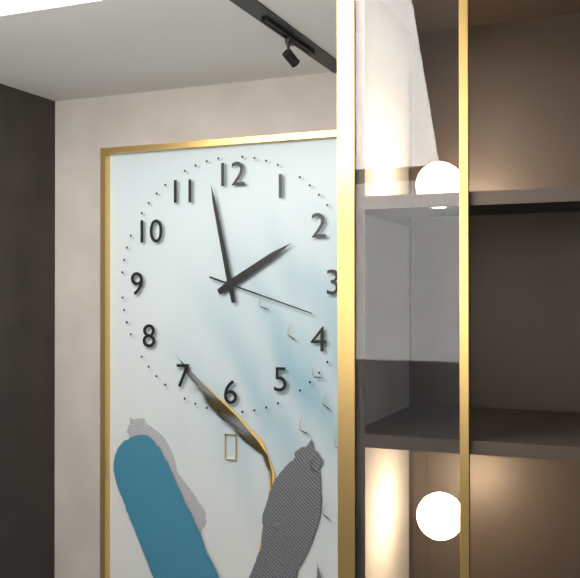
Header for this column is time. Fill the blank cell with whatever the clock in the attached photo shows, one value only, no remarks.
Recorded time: 1:58:18
